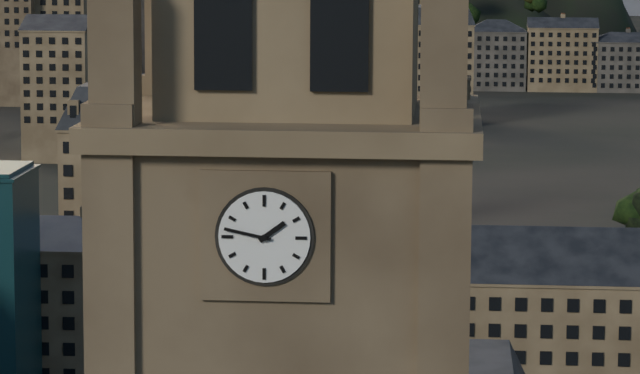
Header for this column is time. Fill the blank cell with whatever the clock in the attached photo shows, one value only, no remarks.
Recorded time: 1:47
